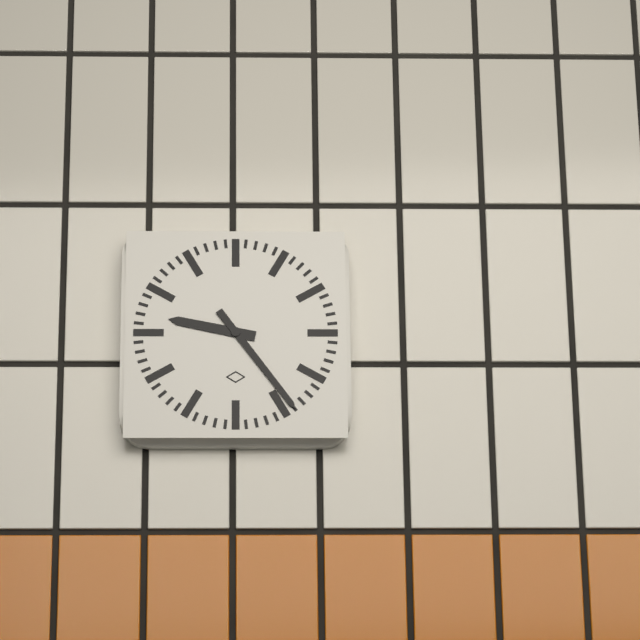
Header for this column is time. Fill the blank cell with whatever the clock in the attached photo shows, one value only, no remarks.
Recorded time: 9:24
